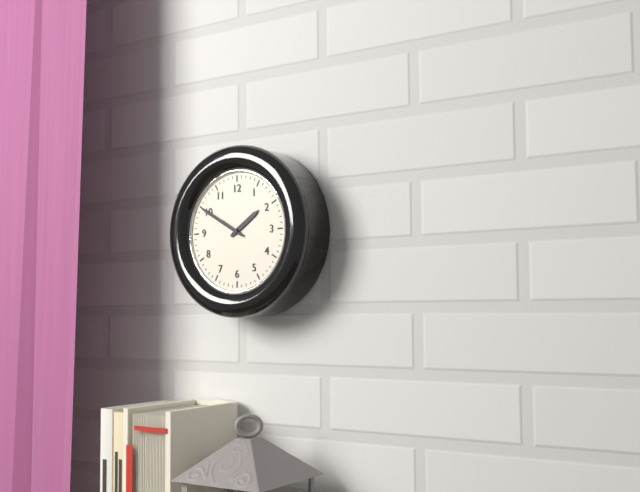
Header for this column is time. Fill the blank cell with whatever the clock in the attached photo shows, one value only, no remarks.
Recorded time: 1:50
